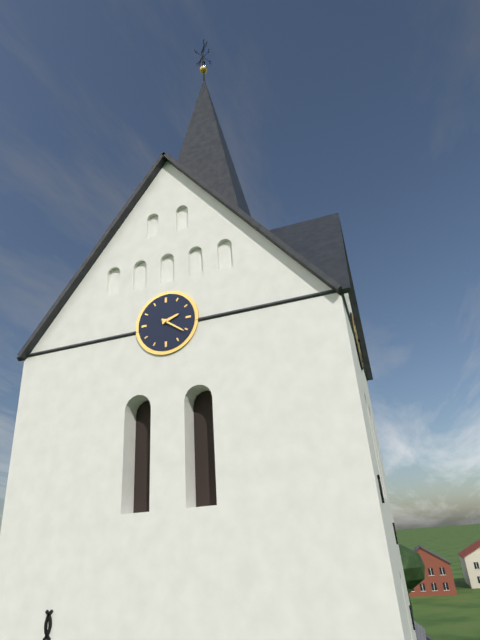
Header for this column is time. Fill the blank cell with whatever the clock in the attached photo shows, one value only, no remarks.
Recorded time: 2:21
